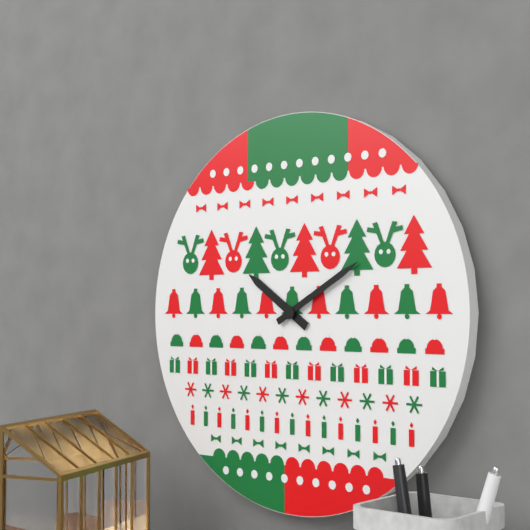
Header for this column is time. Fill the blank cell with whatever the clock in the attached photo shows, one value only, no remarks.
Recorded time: 10:10
